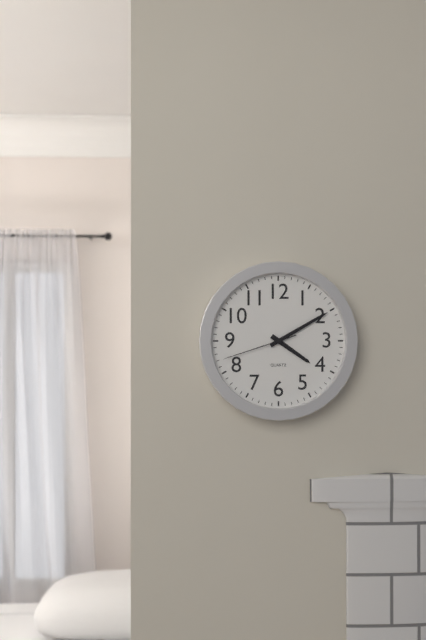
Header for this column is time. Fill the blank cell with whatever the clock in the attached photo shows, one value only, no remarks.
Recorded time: 4:10:42
